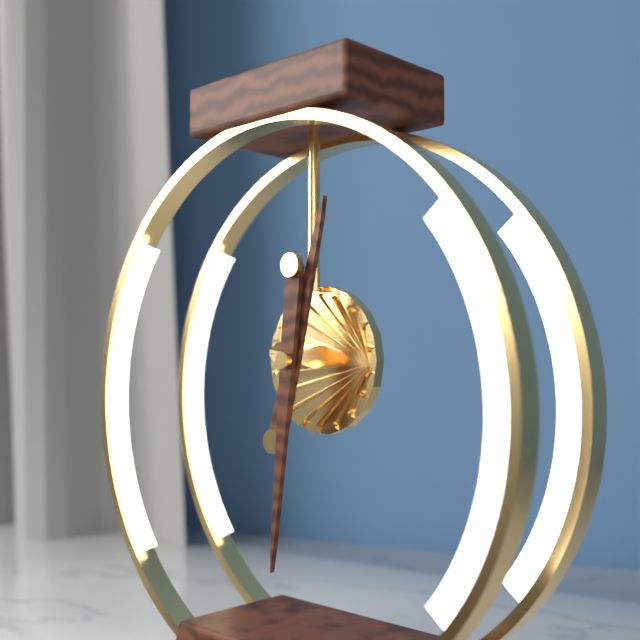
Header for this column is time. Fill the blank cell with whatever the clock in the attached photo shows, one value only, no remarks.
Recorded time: 12:31
